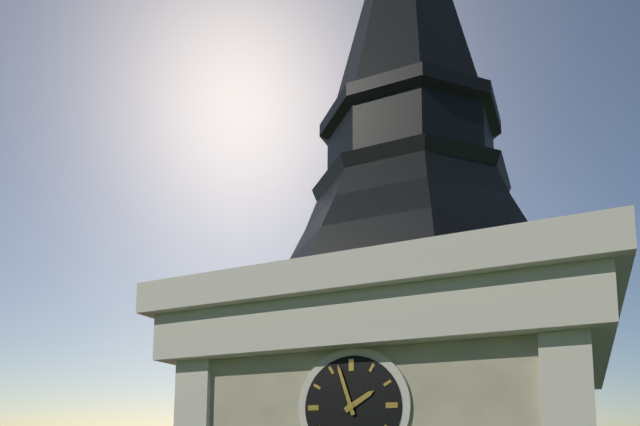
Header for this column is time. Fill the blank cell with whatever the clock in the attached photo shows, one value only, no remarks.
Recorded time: 1:57
